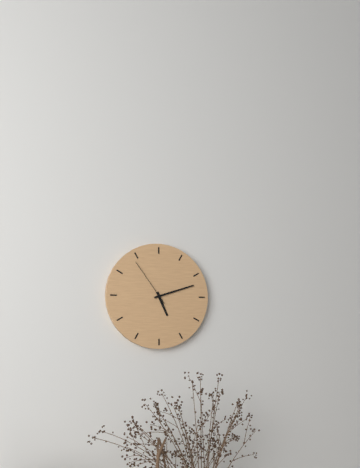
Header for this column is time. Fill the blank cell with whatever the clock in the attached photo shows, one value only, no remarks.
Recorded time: 5:12:54
